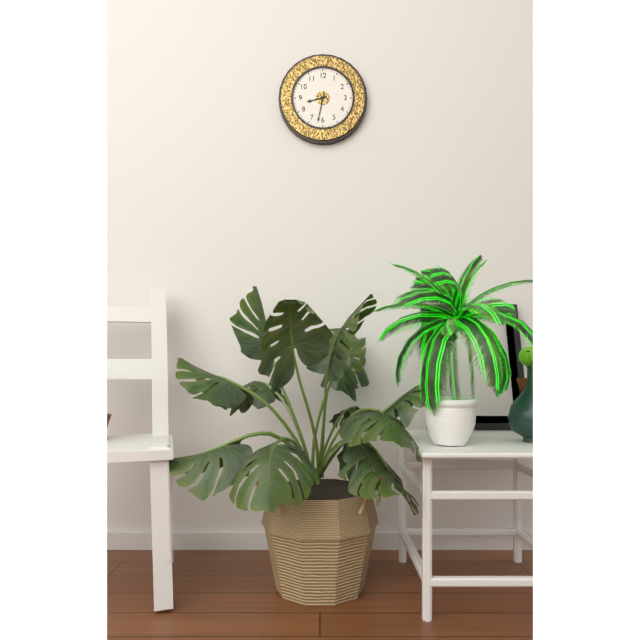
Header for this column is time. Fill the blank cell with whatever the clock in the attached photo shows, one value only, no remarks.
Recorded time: 8:32
